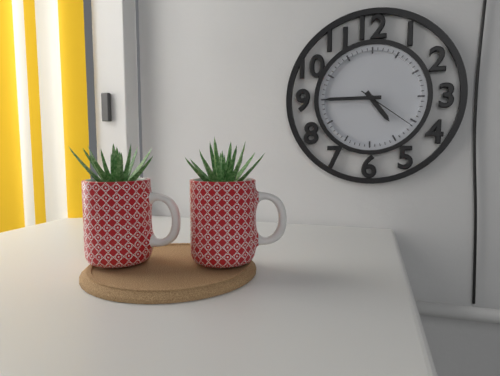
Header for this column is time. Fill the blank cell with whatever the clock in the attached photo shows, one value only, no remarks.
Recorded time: 4:45:21
